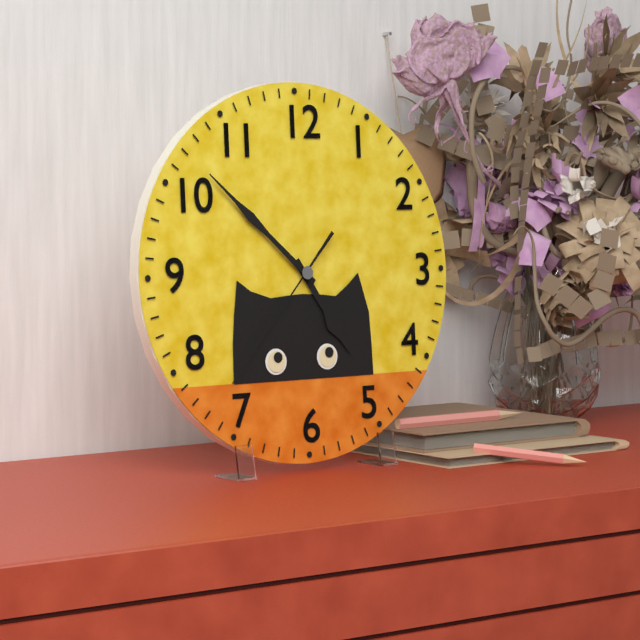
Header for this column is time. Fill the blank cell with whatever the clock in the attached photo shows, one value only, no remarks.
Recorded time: 4:52:37
